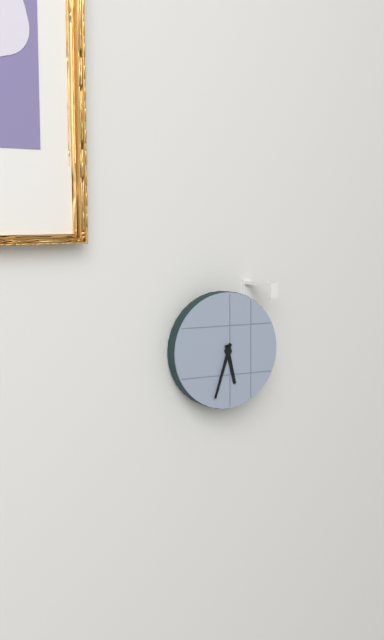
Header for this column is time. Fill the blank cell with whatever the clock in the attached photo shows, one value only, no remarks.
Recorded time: 5:33
